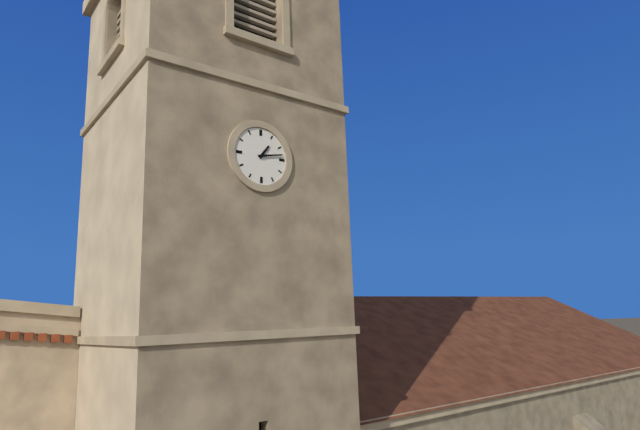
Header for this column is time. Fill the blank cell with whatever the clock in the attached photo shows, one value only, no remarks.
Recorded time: 1:13
